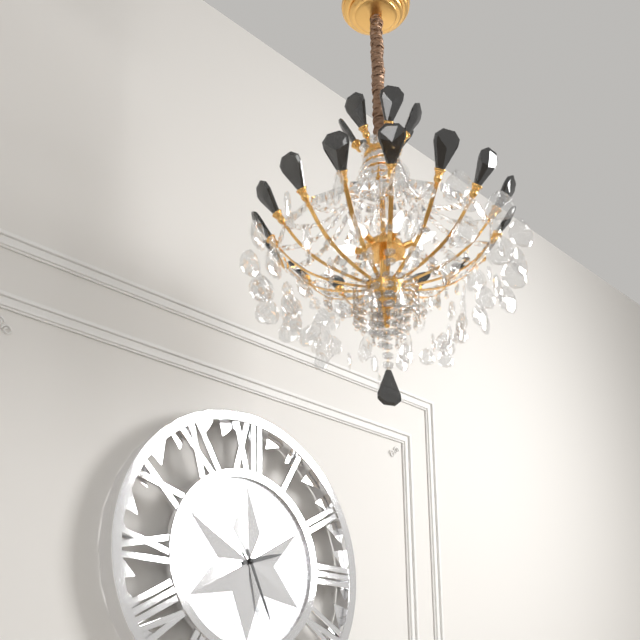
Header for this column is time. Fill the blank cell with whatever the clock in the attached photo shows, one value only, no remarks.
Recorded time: 2:26
